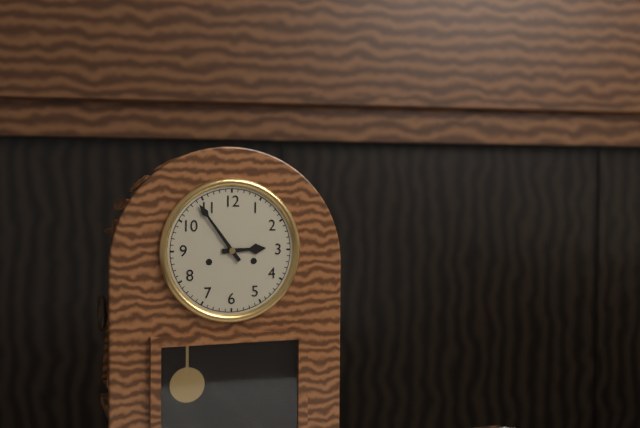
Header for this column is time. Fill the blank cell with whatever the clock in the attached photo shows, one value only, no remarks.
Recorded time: 2:54
